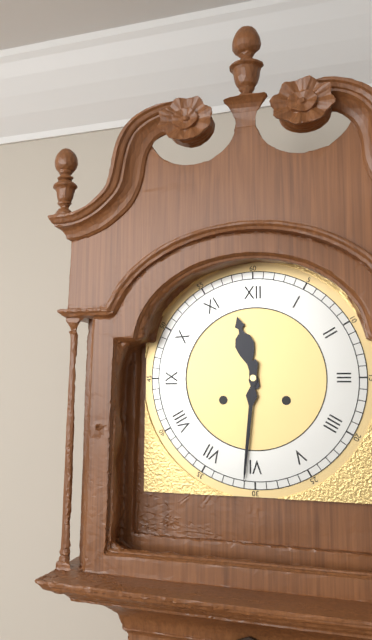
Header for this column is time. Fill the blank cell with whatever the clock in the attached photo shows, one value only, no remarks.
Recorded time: 11:31
